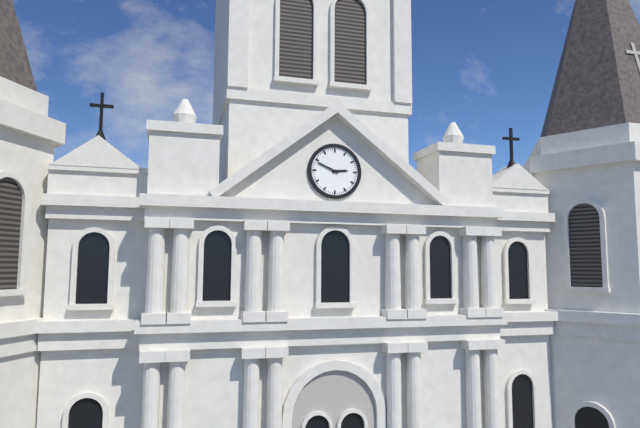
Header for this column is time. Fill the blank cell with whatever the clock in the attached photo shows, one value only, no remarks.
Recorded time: 2:49
